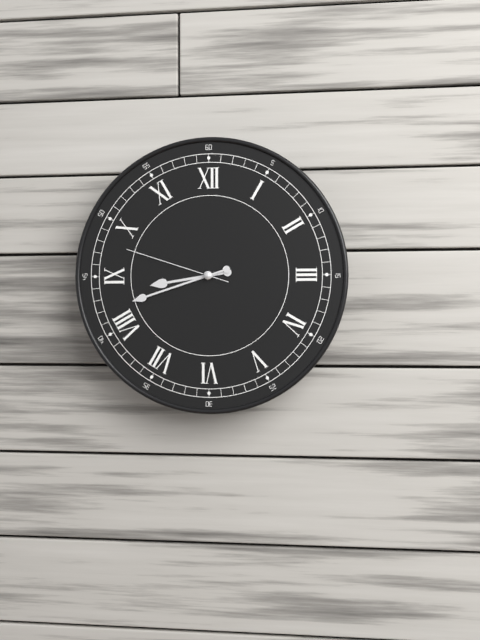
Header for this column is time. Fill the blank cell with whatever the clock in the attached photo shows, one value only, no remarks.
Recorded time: 8:42:48
